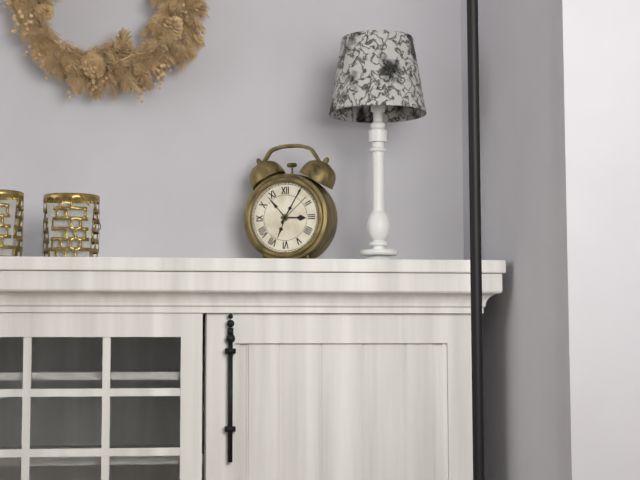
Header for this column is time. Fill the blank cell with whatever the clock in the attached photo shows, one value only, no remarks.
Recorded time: 3:05
